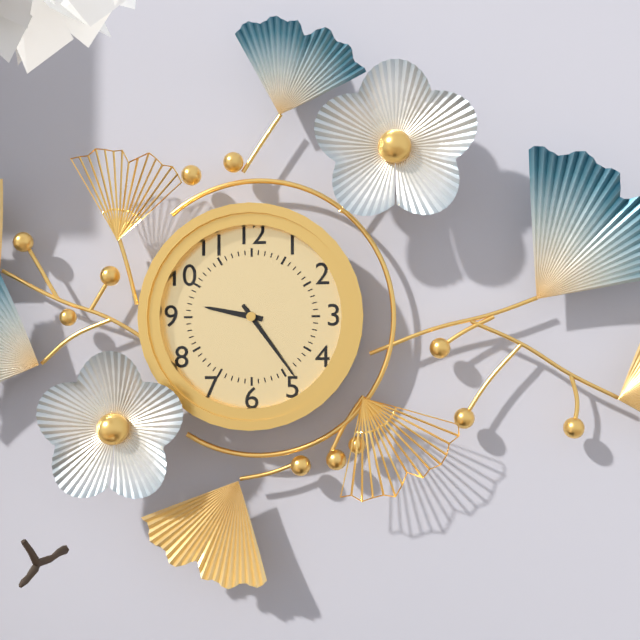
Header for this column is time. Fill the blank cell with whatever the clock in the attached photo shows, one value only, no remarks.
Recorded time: 9:24
